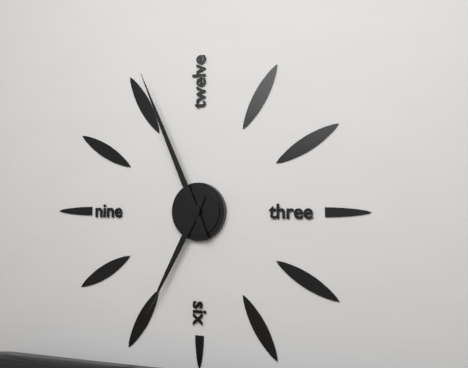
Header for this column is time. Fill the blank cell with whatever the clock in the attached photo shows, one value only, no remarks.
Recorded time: 6:56
